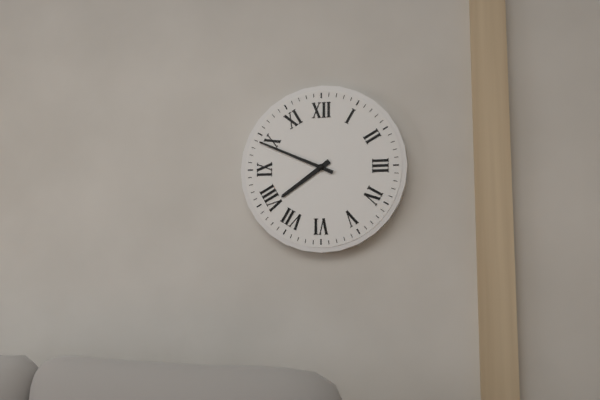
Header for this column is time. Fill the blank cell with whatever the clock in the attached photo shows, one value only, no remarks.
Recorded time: 7:49
